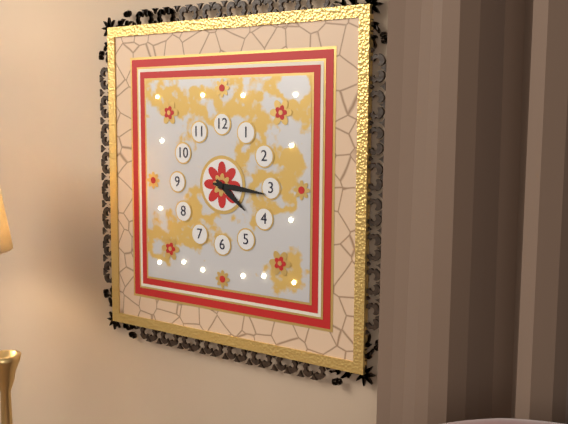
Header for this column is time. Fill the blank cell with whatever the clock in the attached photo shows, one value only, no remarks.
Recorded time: 4:16
